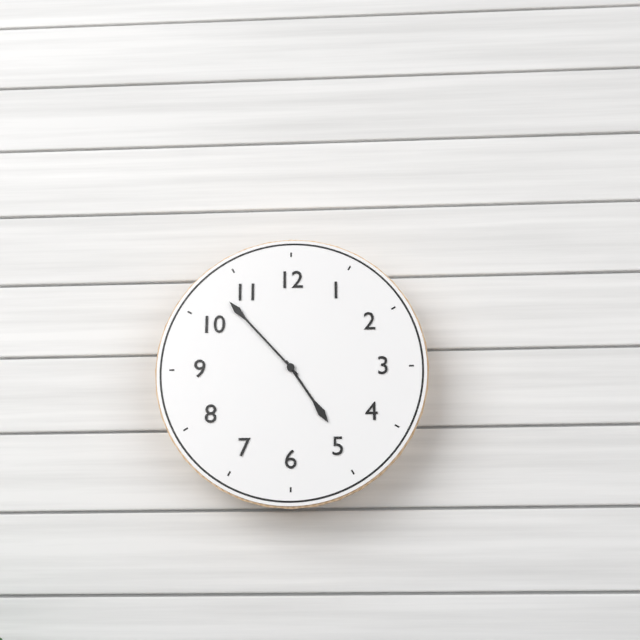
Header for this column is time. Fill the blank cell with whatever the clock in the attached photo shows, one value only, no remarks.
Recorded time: 4:53
